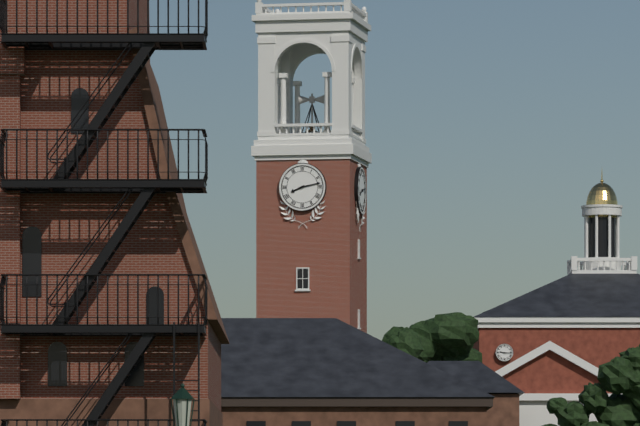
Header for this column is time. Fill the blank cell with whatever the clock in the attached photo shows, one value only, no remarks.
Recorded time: 8:13
